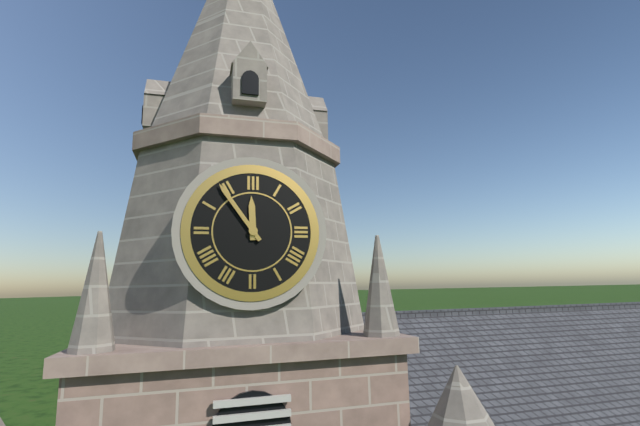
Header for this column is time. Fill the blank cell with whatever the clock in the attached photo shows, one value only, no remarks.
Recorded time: 11:54
